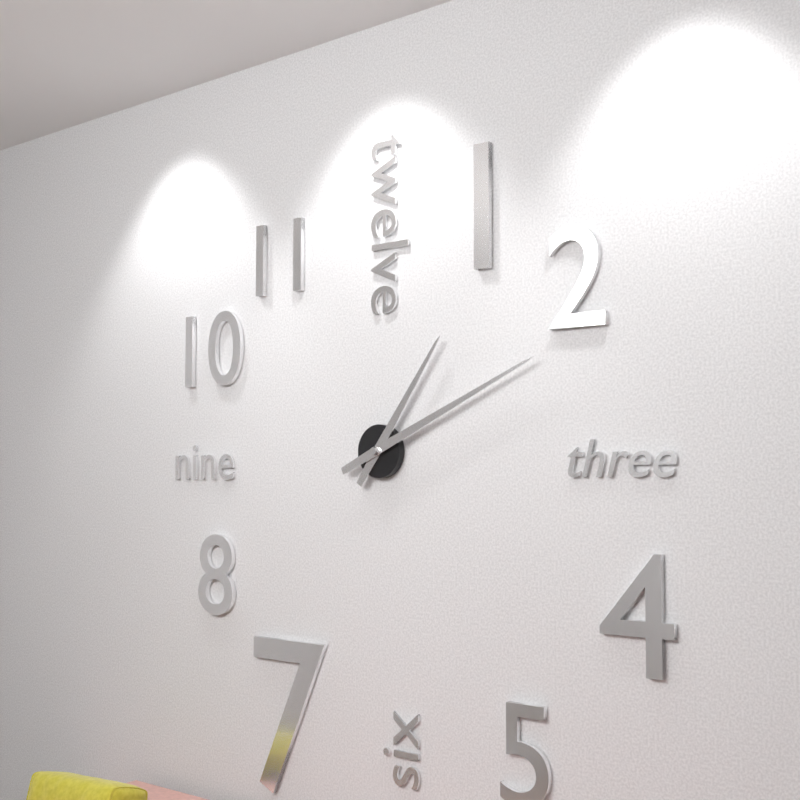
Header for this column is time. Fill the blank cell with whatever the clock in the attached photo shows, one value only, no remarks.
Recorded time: 1:11
